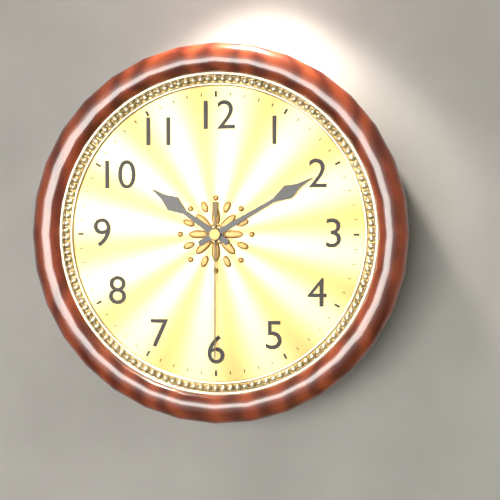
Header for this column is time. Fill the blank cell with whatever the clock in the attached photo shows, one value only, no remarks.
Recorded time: 10:10:30
